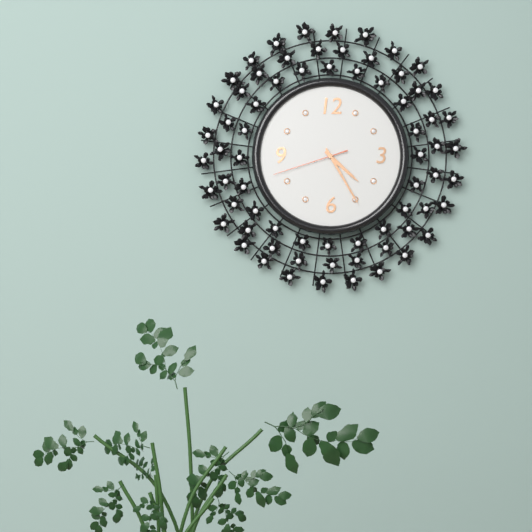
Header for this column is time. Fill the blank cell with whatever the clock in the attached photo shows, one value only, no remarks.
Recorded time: 4:25:42
